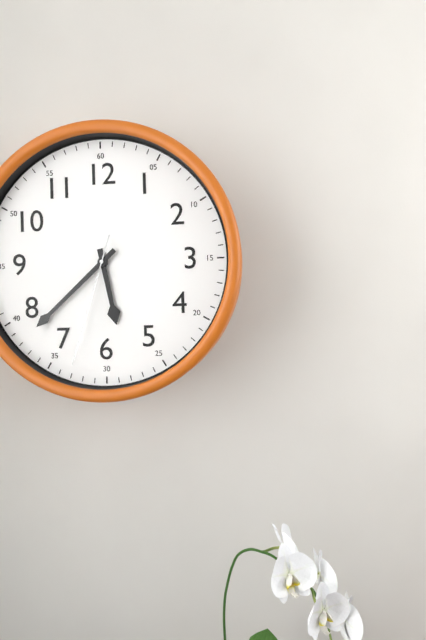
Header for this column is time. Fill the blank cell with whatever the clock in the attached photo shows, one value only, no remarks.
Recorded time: 5:38:33
